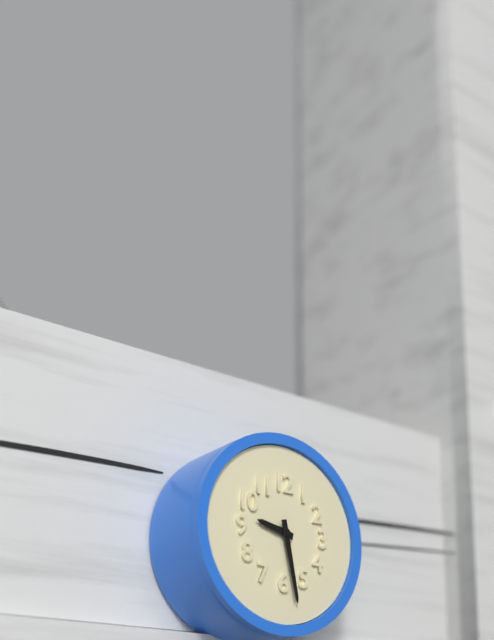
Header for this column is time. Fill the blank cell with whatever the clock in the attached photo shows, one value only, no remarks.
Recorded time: 9:28
